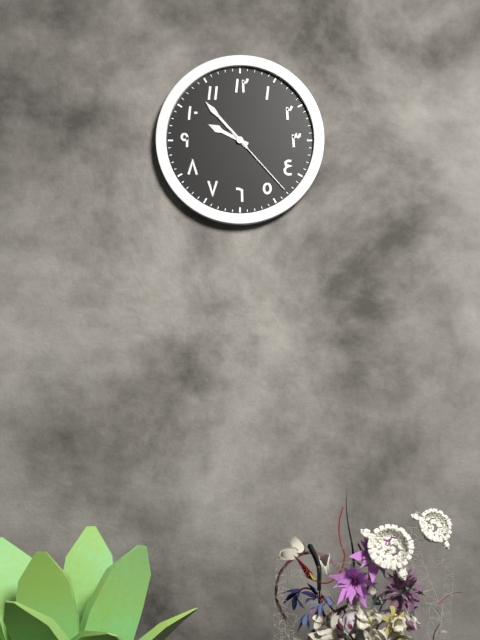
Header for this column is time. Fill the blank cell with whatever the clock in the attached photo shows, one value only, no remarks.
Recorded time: 9:53:23
